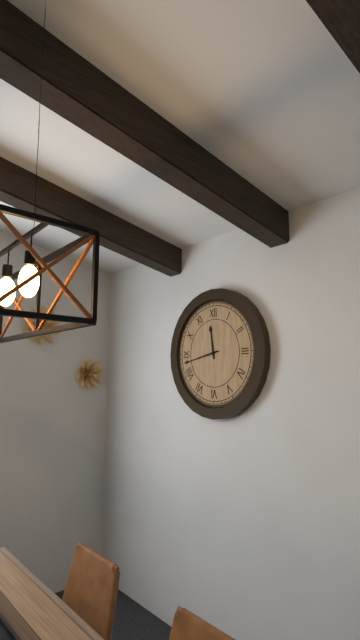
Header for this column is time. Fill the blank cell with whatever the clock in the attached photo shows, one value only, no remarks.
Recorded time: 11:43
